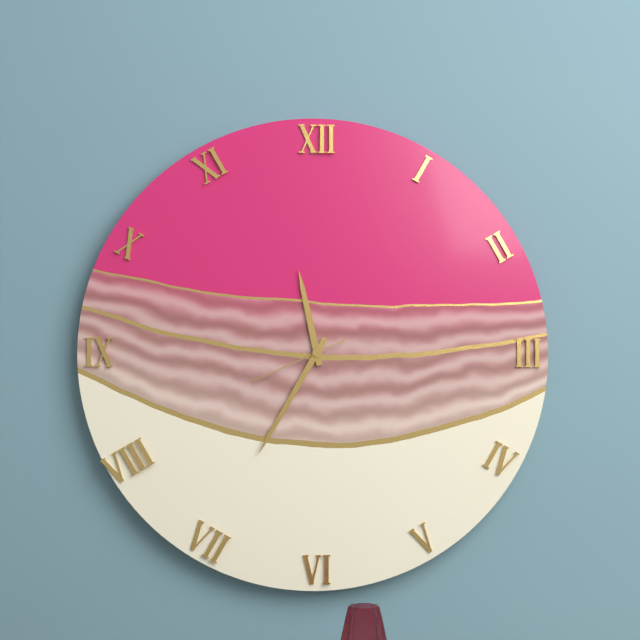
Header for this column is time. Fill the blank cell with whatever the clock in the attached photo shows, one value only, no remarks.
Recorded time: 11:35:41
